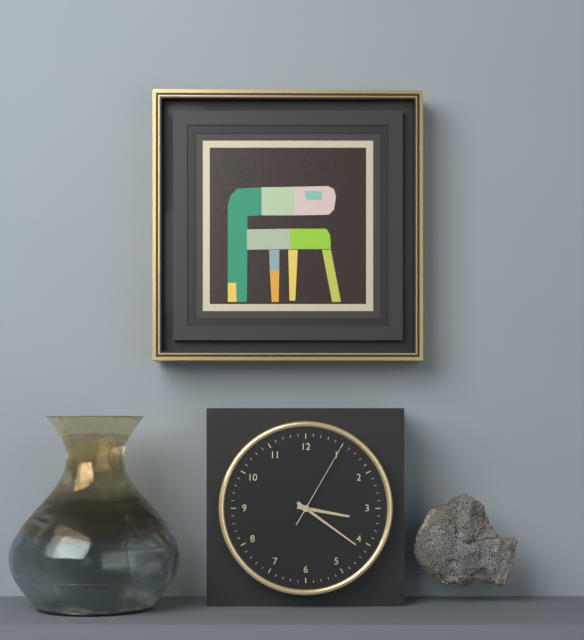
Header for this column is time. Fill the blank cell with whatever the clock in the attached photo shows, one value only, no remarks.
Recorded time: 3:21:05
